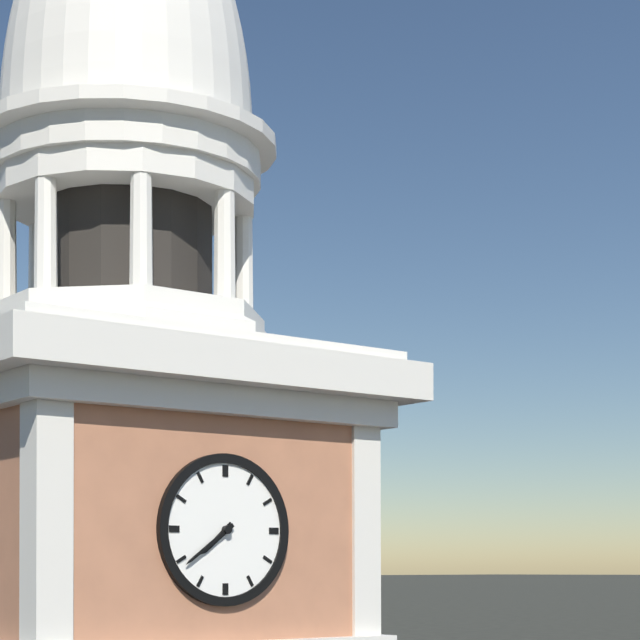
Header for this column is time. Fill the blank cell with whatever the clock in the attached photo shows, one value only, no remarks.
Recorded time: 7:39
